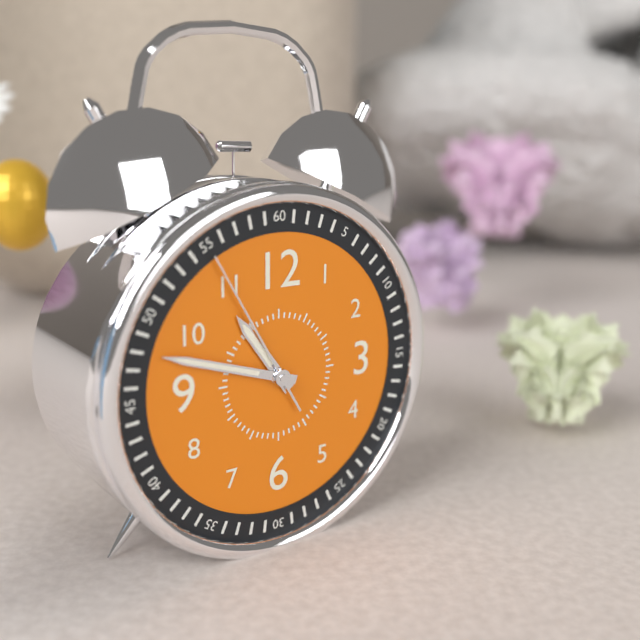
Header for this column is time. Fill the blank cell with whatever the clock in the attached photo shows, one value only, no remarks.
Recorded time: 10:48:55
